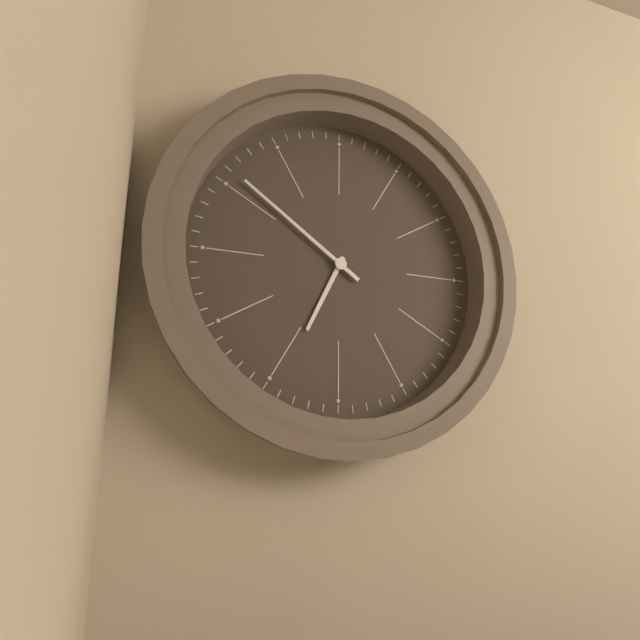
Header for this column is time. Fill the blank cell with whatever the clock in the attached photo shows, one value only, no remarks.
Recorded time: 6:51
